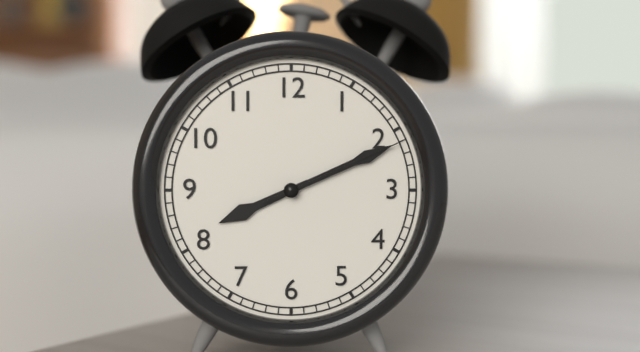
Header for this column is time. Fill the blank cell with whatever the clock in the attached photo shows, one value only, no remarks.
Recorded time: 8:11:11
